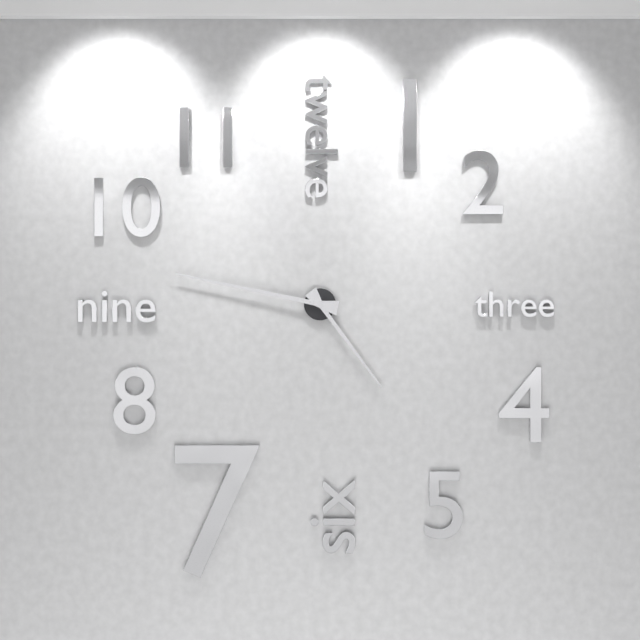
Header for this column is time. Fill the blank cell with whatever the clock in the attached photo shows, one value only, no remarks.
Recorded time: 4:47
